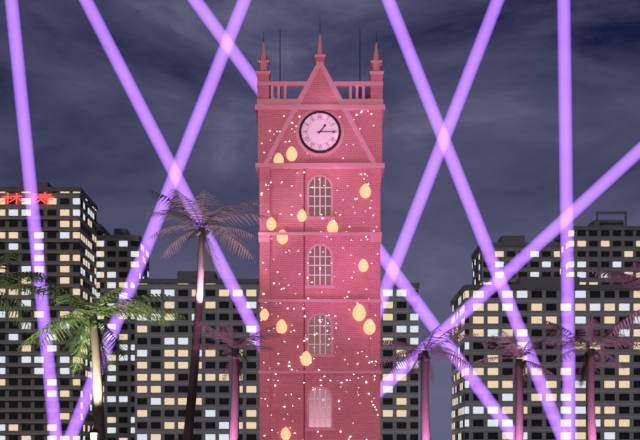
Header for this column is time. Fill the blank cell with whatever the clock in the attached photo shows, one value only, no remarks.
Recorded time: 1:15
